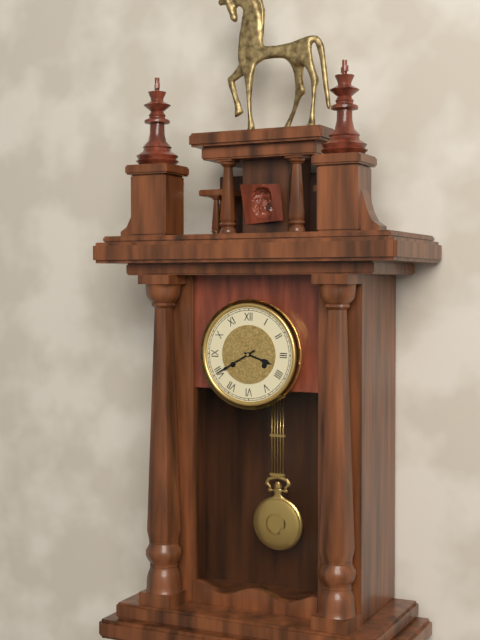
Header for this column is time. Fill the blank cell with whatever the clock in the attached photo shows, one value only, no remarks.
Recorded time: 3:40
